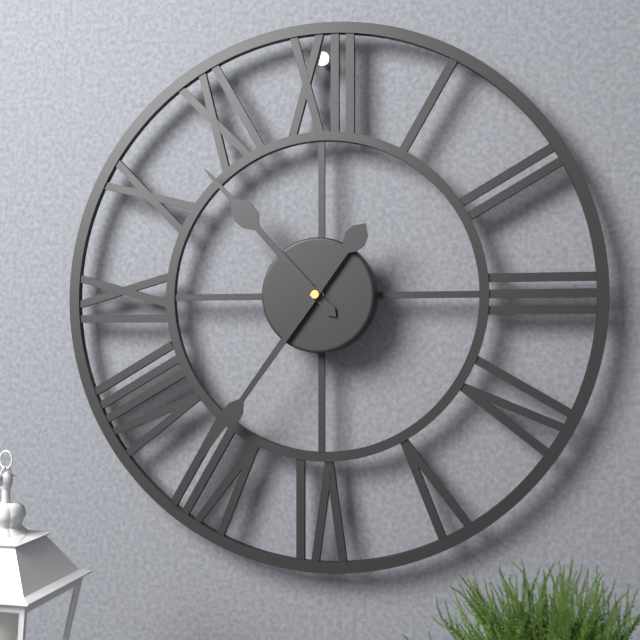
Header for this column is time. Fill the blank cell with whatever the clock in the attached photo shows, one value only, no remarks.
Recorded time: 10:36
